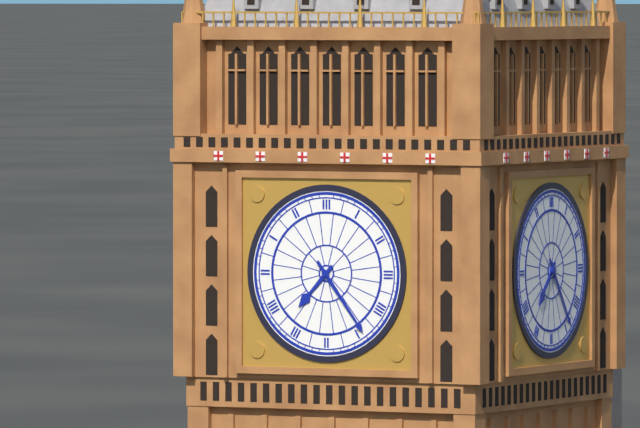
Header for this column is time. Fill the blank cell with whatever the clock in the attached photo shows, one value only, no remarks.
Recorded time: 7:24
